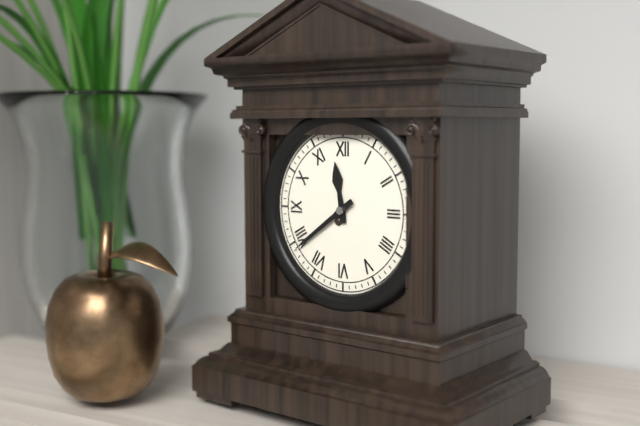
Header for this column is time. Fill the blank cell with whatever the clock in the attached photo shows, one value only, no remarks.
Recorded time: 11:39
